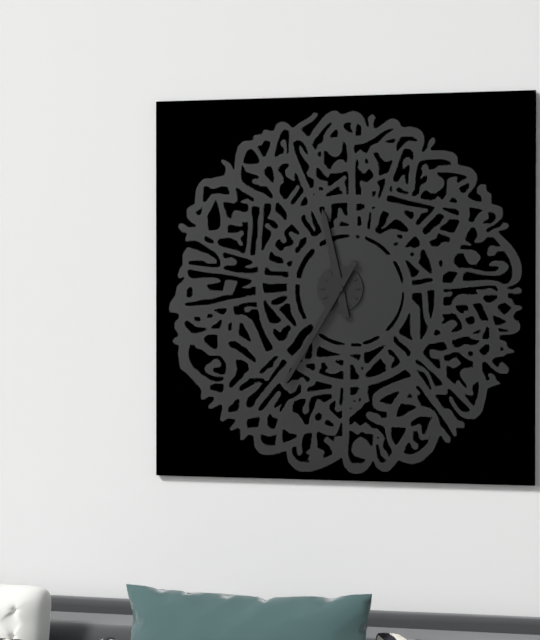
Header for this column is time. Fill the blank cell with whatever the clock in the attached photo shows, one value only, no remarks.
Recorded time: 11:35
